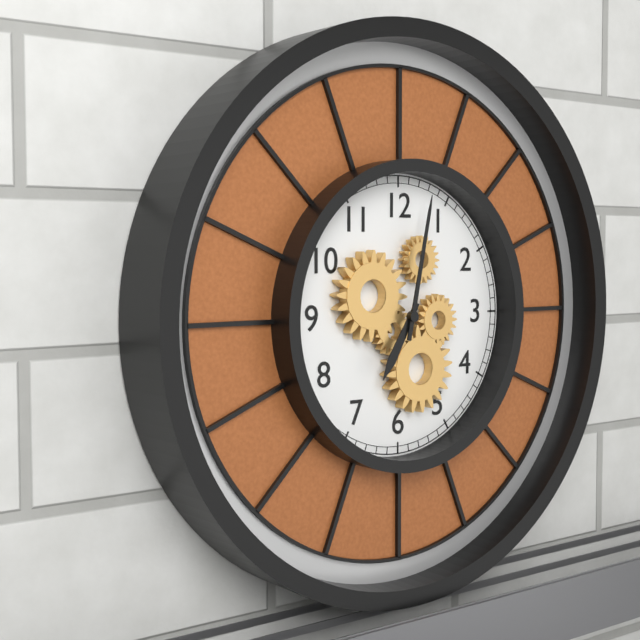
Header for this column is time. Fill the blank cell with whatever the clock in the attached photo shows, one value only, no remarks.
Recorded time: 7:02
